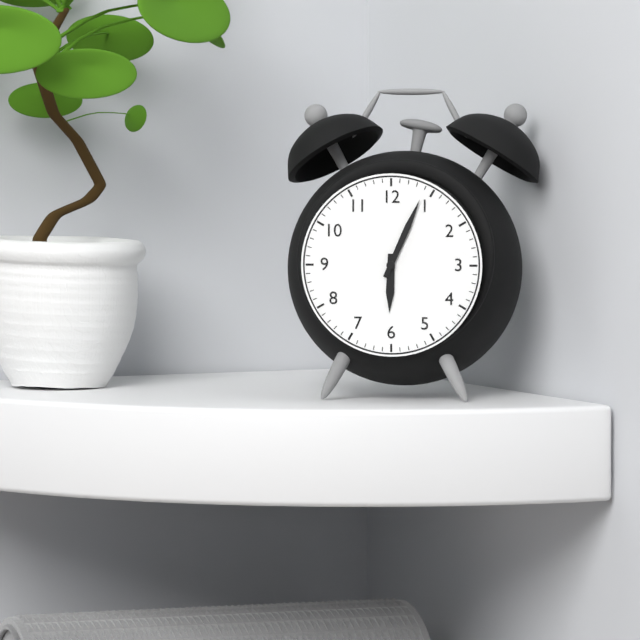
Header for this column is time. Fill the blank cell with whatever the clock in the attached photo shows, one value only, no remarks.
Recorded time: 6:04
